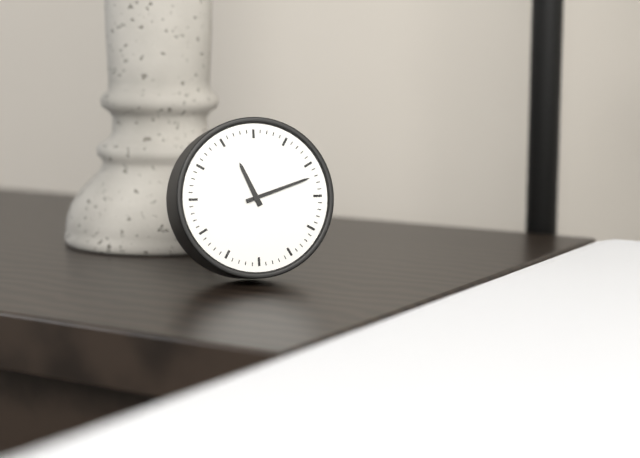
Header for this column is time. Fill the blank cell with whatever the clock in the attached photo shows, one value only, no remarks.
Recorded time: 11:12
